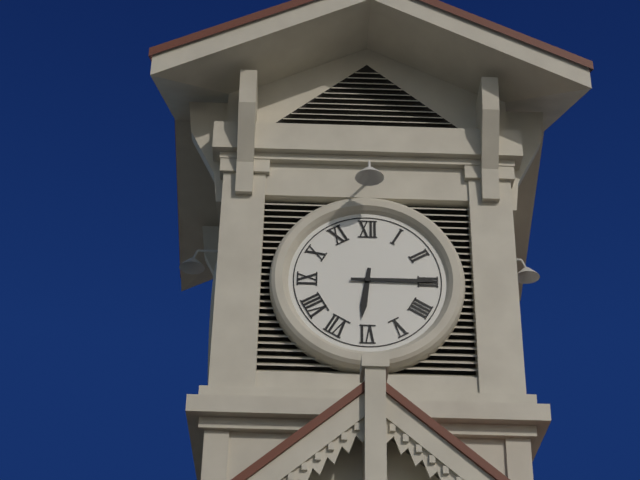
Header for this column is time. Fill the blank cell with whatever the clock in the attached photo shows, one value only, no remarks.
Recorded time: 6:15
